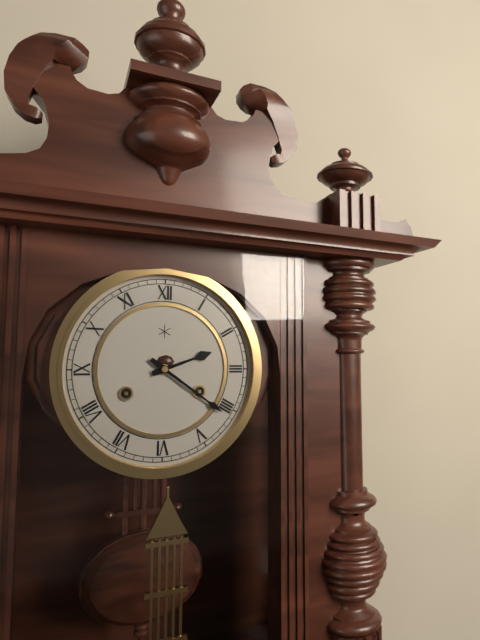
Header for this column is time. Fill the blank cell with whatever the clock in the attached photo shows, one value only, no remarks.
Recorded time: 2:21
